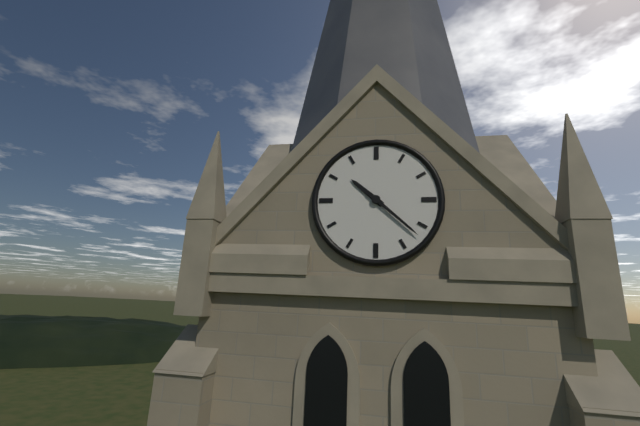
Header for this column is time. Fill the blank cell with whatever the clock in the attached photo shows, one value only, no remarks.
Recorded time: 10:22
